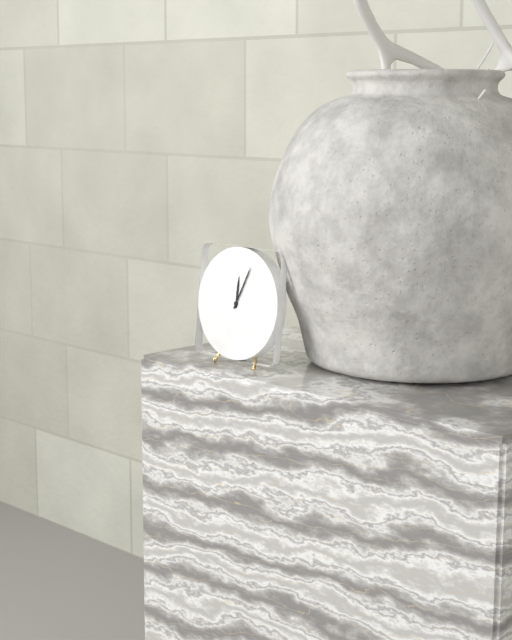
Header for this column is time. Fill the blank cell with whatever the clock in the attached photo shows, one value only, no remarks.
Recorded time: 12:04
